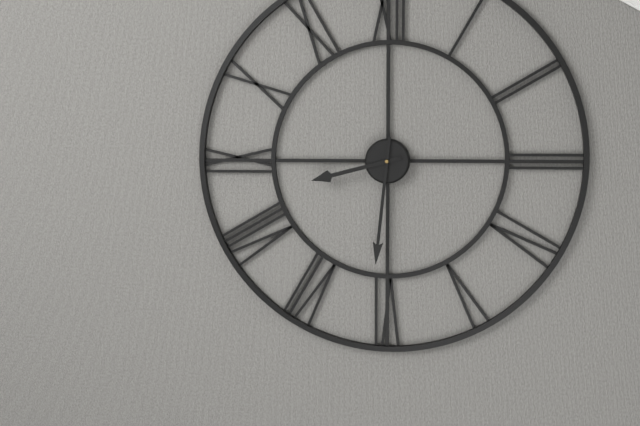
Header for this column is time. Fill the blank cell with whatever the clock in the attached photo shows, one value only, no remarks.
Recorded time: 8:31
